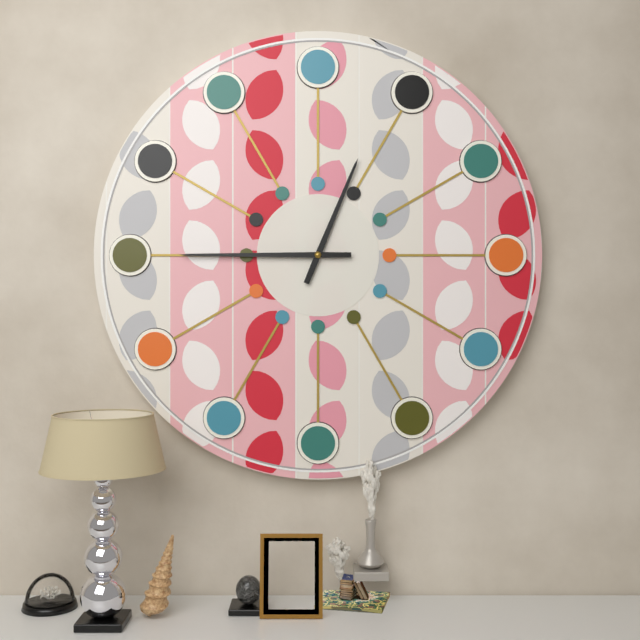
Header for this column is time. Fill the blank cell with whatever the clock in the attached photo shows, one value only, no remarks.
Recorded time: 12:45
